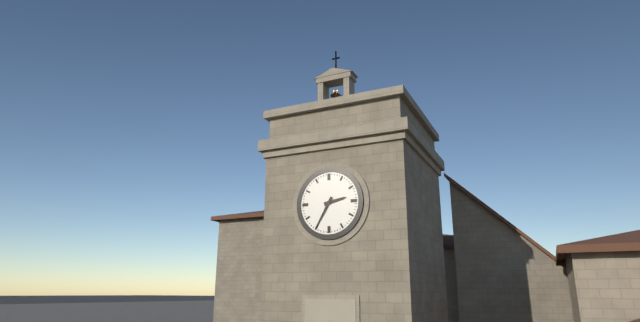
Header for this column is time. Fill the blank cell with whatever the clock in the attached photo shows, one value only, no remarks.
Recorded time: 2:35
